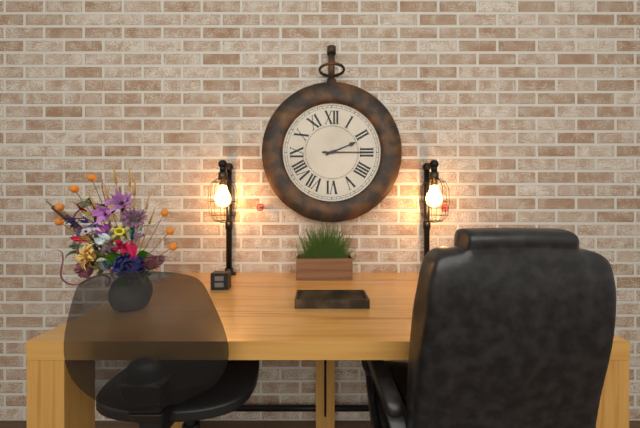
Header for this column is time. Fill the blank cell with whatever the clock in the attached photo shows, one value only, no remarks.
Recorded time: 2:15
